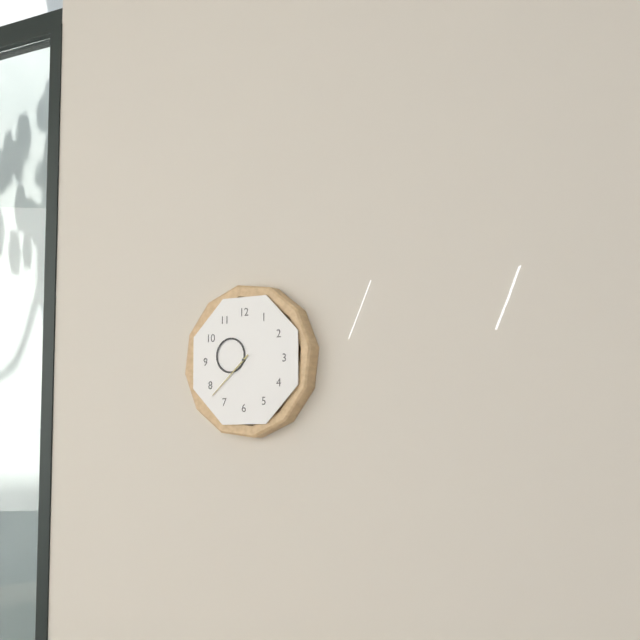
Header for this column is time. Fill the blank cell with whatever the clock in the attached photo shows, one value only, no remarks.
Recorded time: 9:38
